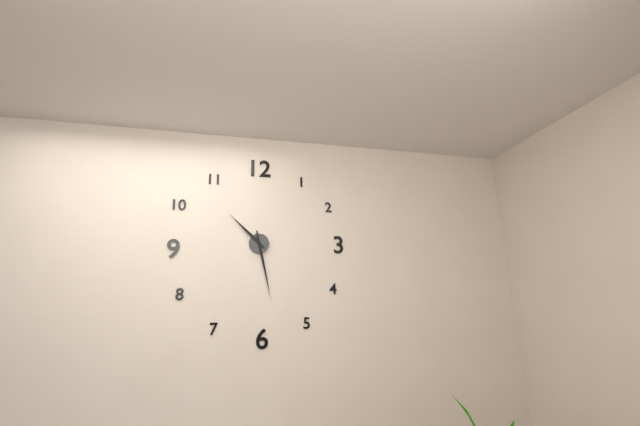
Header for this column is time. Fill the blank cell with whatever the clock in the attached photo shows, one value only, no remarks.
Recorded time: 10:28
